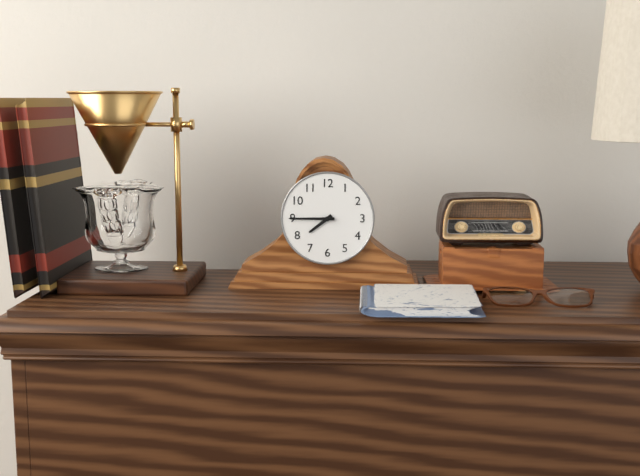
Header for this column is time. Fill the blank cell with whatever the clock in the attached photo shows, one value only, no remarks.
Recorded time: 7:45
